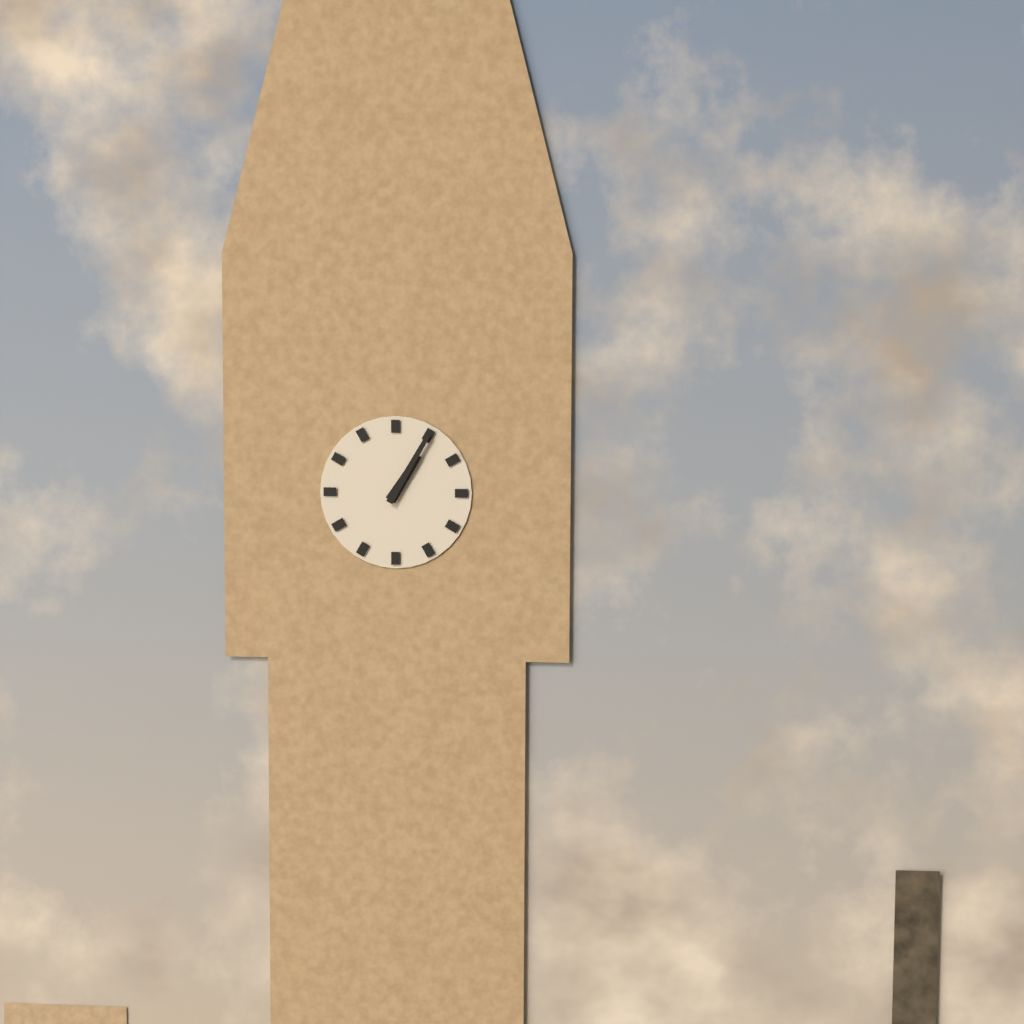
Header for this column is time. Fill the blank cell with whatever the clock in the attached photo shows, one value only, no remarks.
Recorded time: 1:05
